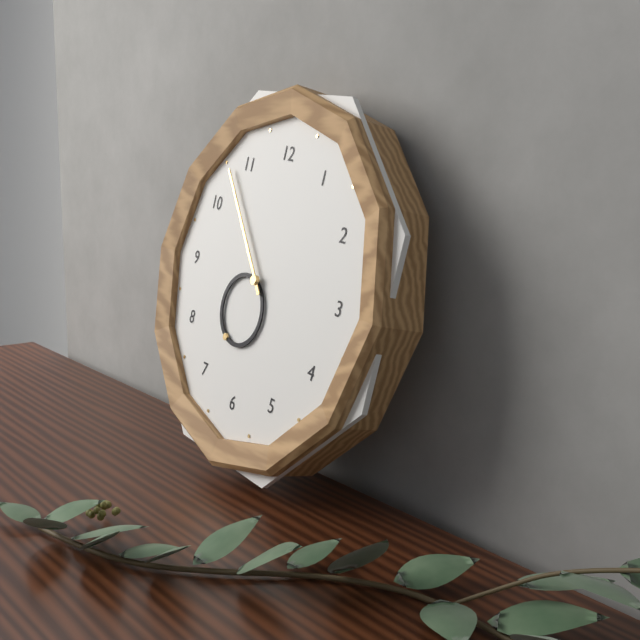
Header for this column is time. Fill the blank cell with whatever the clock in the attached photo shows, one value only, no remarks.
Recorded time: 6:53
